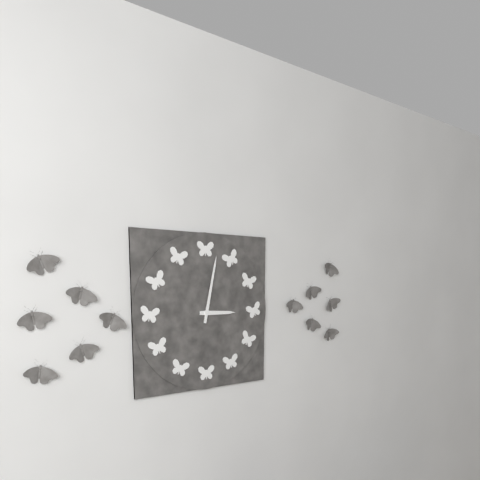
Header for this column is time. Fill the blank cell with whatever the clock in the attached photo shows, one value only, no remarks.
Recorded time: 3:02
